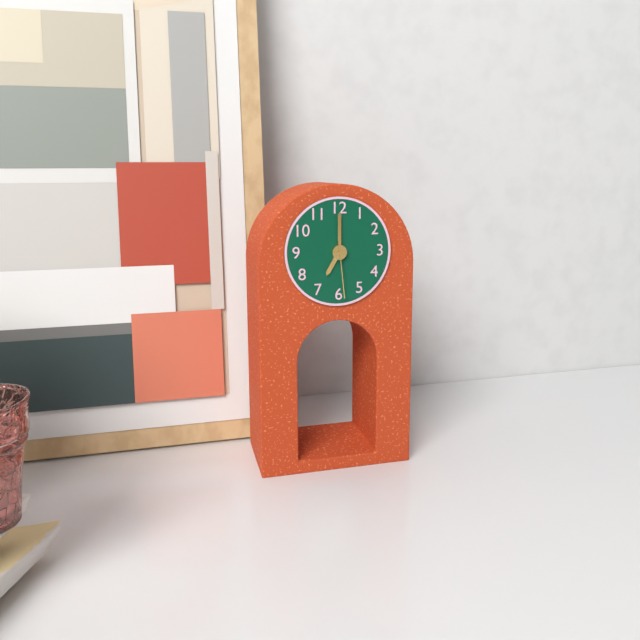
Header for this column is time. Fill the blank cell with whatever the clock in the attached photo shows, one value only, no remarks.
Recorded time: 7:00:29
